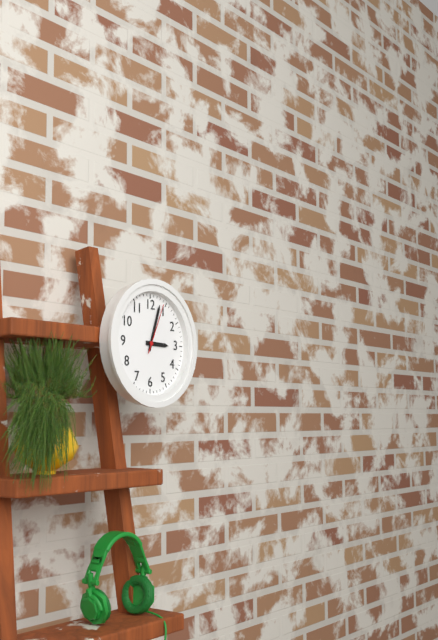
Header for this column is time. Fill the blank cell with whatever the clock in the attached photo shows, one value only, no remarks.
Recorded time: 3:03:04
